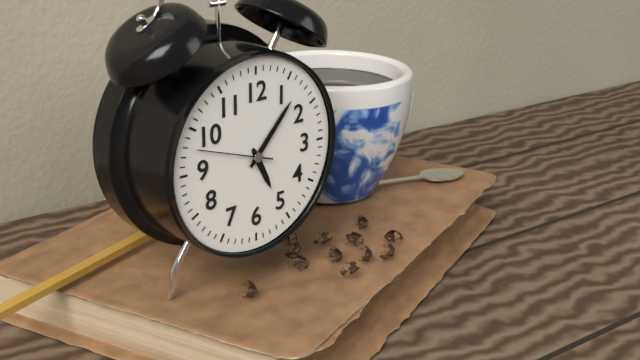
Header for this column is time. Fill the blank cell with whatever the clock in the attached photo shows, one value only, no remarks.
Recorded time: 5:07:48
